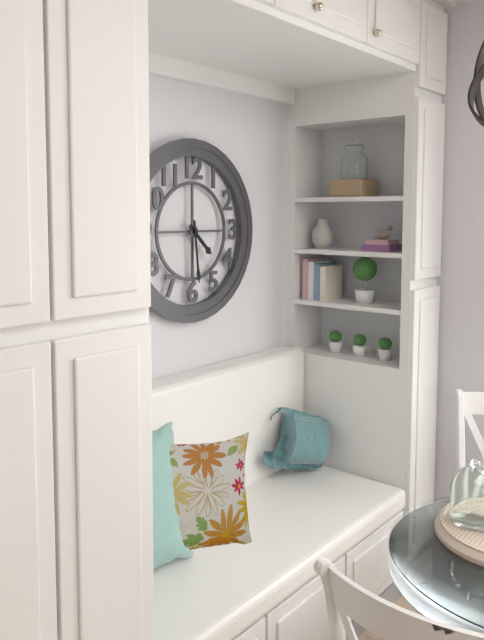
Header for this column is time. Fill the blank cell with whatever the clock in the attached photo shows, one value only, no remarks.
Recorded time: 4:29
